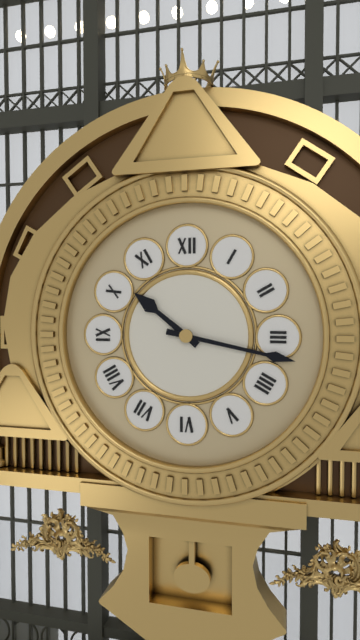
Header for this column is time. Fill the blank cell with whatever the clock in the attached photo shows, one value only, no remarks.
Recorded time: 10:17
